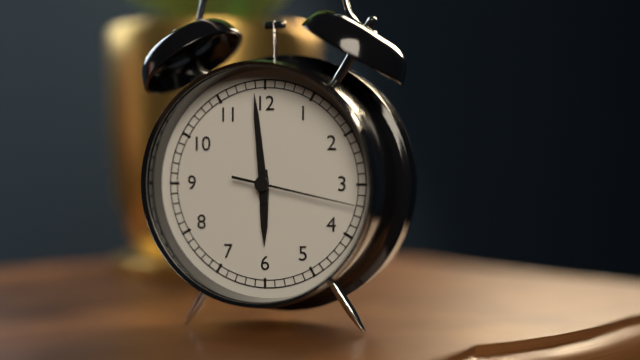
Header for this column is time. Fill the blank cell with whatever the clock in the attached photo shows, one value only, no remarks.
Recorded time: 5:59:17
